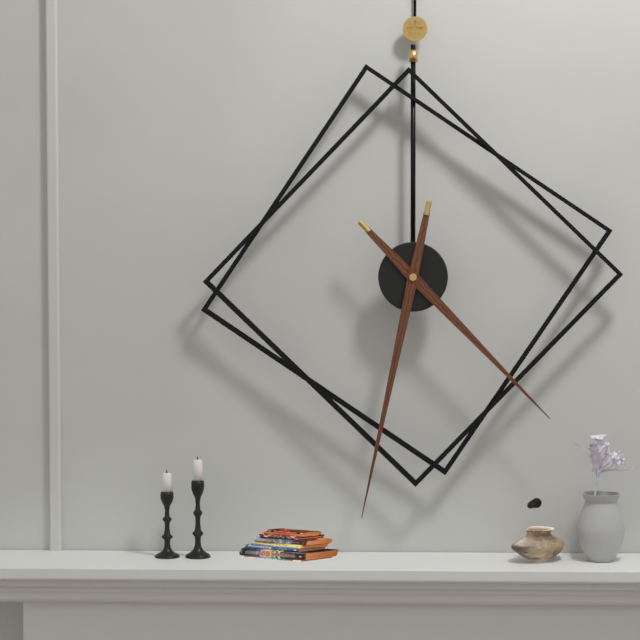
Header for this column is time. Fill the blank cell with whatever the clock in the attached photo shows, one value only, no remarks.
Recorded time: 4:32
